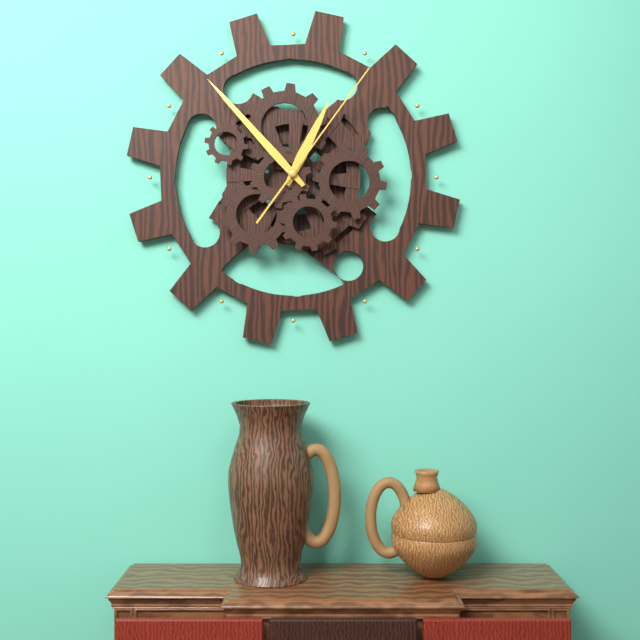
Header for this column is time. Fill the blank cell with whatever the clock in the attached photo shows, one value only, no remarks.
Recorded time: 12:53:06
